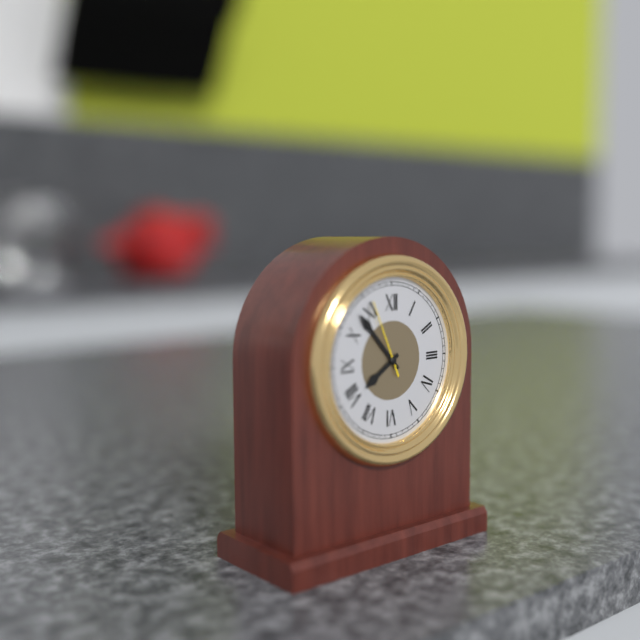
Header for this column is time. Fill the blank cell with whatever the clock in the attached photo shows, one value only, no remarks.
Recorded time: 7:53:56
